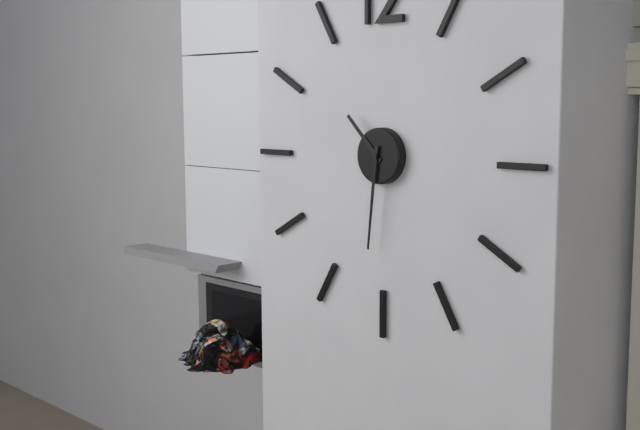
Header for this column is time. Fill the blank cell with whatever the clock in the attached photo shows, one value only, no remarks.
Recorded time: 10:31
